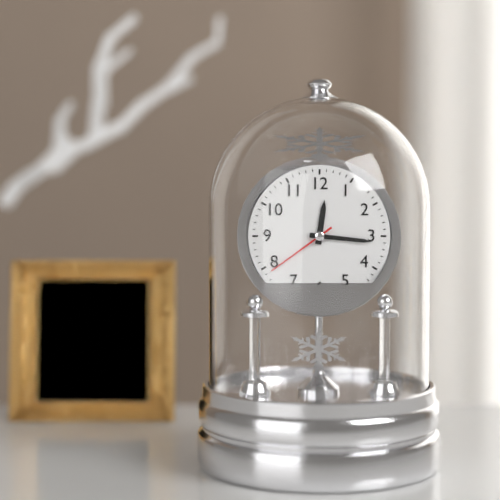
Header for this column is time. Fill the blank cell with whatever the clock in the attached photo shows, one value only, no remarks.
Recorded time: 12:16:39
